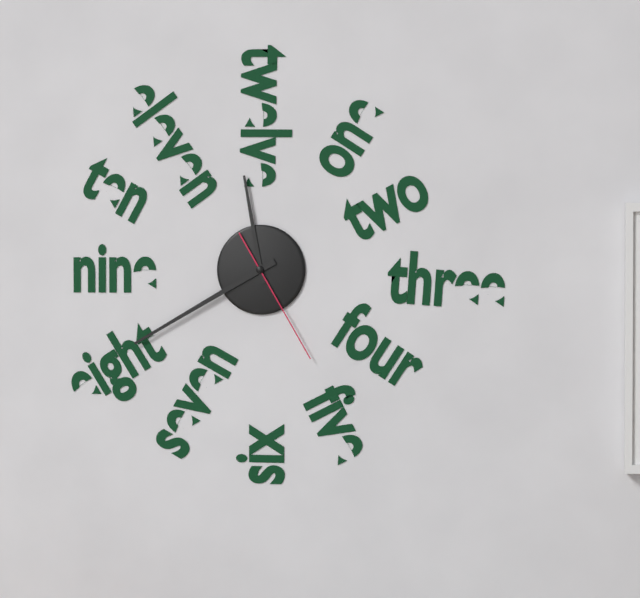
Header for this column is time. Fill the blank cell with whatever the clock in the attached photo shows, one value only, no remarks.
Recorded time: 11:40:25
